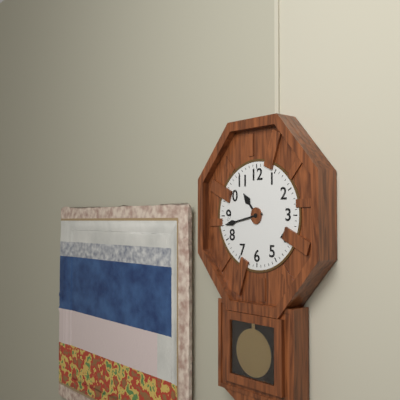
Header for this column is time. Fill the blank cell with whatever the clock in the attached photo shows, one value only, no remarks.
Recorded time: 10:43
